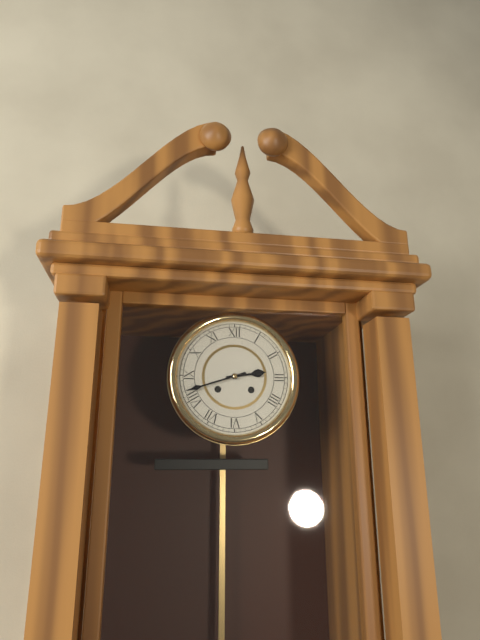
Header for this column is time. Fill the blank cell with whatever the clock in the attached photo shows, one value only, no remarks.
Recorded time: 2:42
